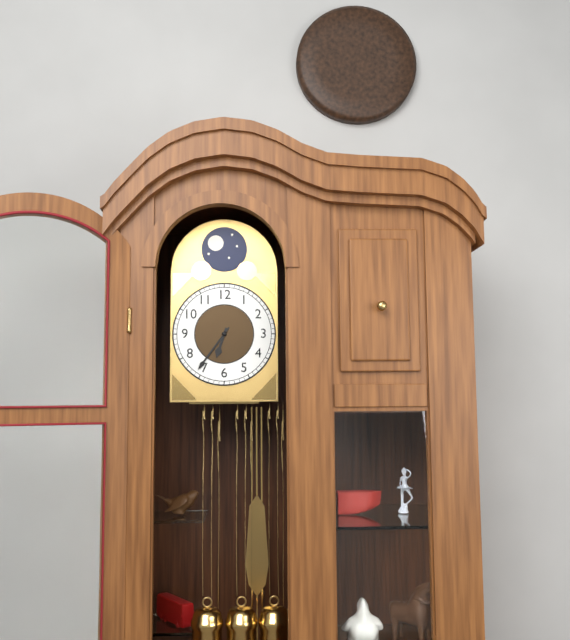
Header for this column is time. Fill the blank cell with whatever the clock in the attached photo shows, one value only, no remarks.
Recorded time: 6:36
